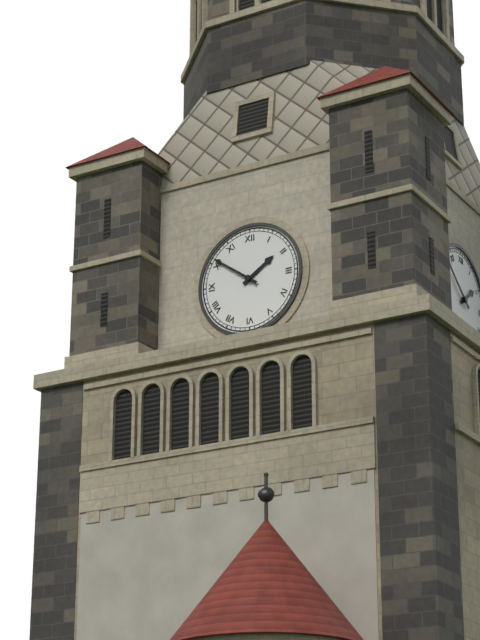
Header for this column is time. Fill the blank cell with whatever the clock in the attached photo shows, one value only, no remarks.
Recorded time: 1:51
